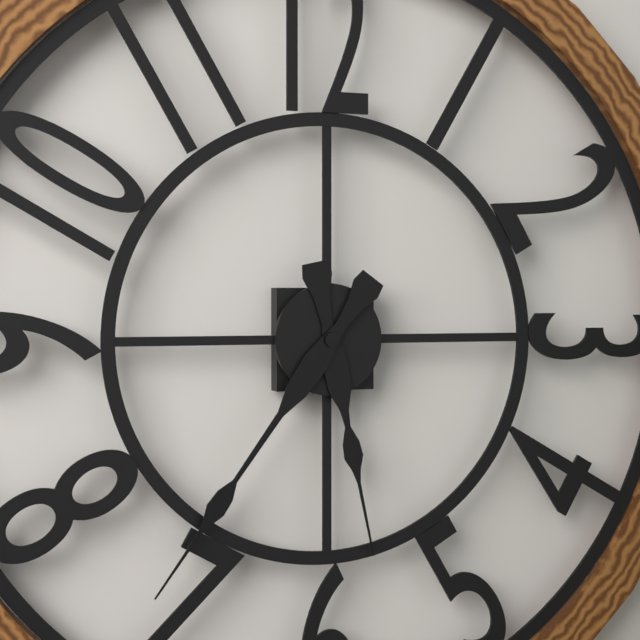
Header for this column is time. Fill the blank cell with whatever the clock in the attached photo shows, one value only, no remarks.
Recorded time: 5:36
